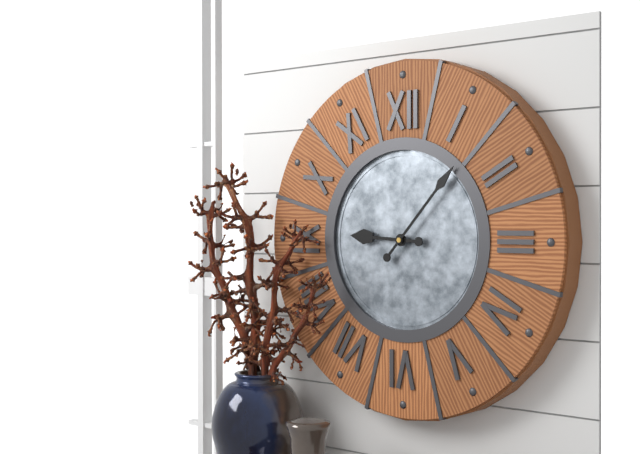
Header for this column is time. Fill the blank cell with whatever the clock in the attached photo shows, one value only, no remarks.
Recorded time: 9:07
